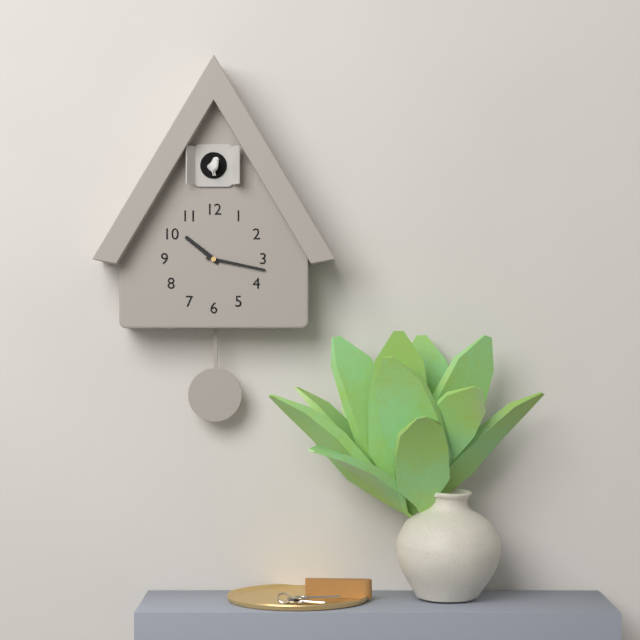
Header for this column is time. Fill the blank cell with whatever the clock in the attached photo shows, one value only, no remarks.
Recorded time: 10:17
